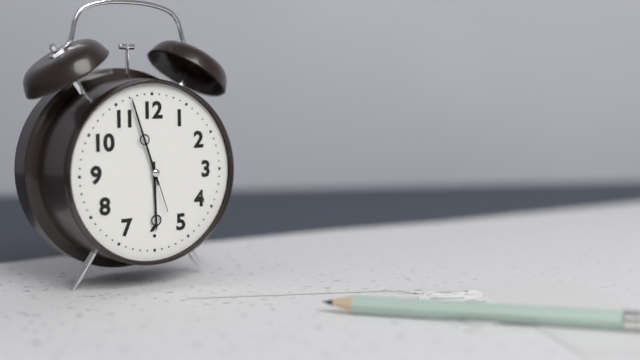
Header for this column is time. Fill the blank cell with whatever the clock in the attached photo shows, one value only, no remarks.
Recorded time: 5:57:27
